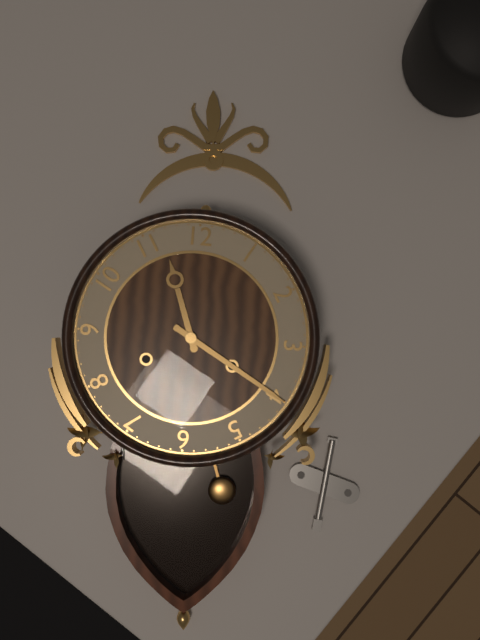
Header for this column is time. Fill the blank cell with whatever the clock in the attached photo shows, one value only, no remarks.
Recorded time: 11:20
